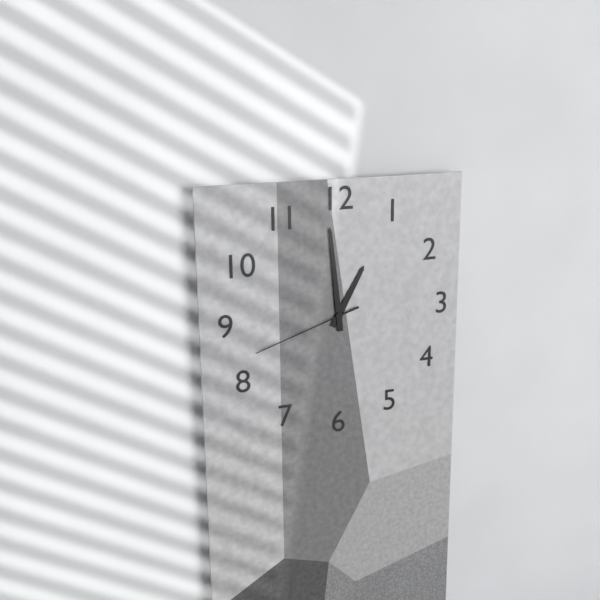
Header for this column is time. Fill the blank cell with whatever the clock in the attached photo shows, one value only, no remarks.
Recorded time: 12:59:42
